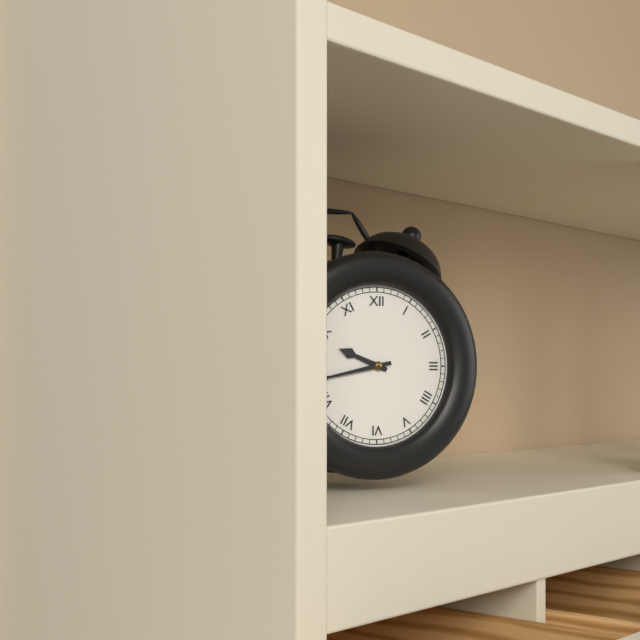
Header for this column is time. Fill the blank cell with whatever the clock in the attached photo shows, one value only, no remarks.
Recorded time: 9:43
